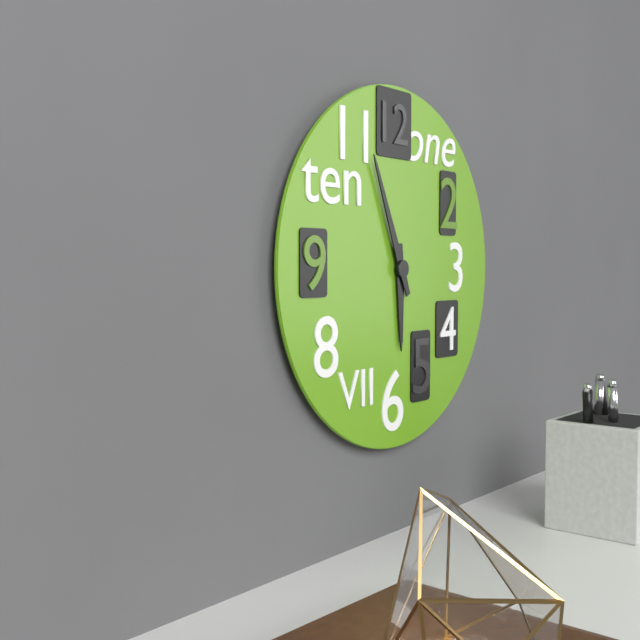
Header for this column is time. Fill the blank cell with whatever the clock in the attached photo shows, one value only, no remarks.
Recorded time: 5:56
